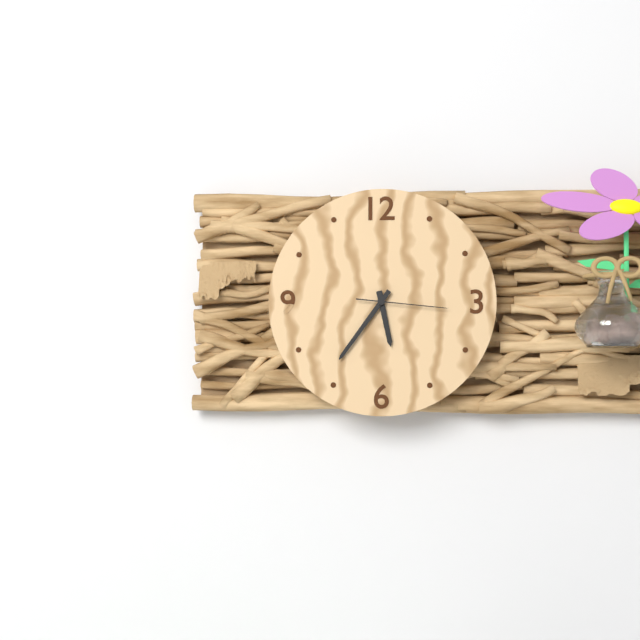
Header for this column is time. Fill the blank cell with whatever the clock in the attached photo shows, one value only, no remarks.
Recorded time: 5:36:16
